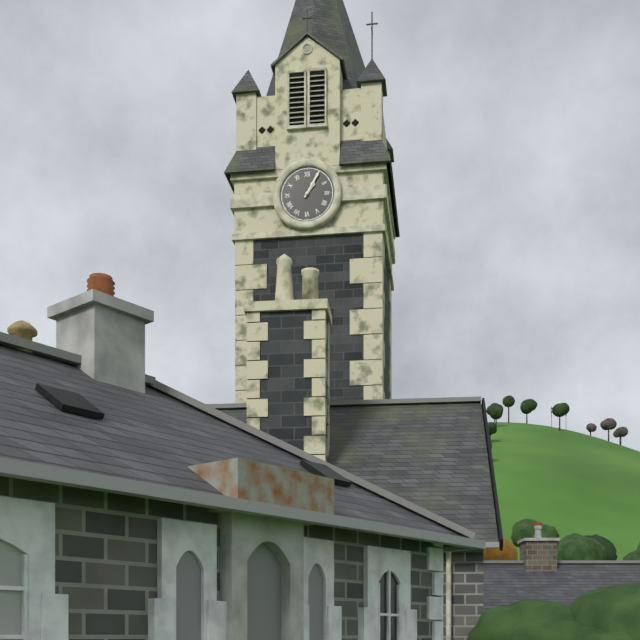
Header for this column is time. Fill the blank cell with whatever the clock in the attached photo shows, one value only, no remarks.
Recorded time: 1:05
